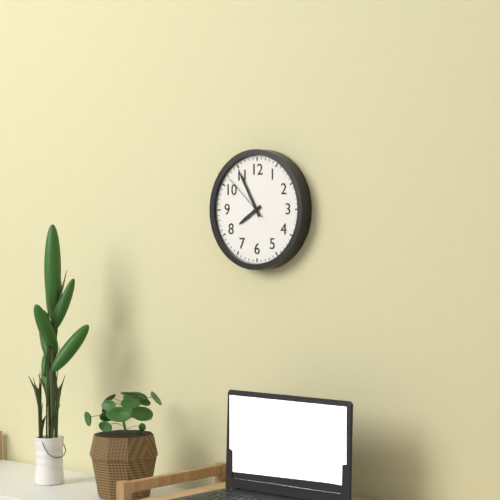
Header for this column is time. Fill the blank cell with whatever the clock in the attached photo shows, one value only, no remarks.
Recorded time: 7:55:52
